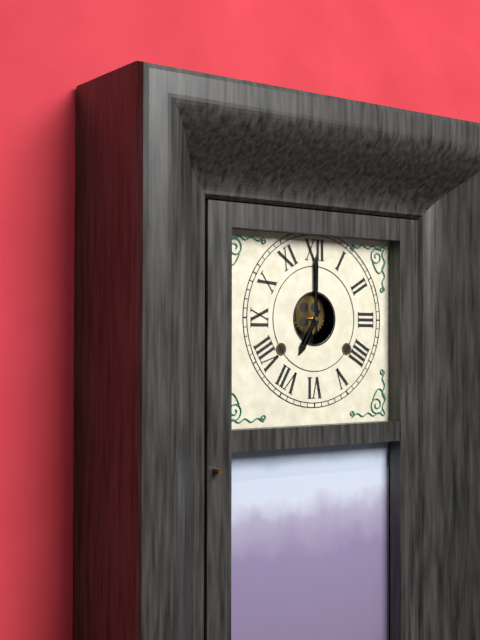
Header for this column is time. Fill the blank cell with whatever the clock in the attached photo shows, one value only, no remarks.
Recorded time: 7:00
